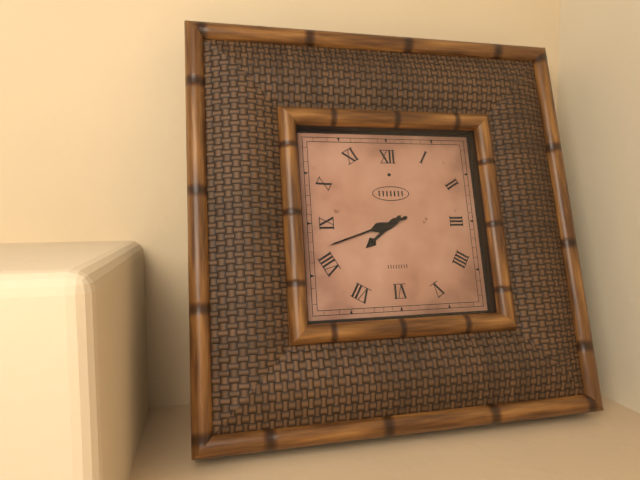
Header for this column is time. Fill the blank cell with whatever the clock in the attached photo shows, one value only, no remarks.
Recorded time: 7:42
